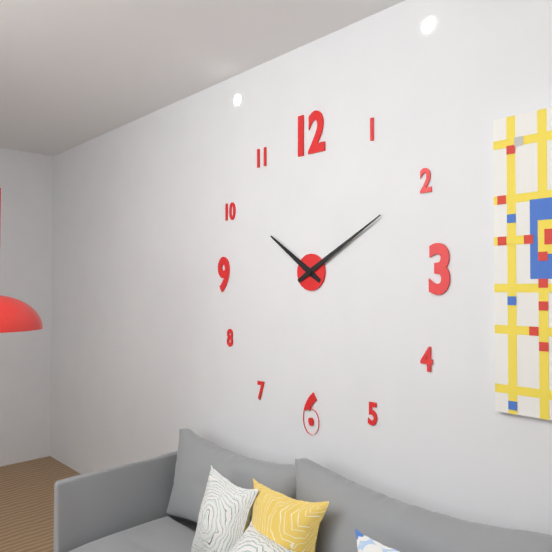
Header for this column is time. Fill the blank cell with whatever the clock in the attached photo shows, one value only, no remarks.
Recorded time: 10:10
